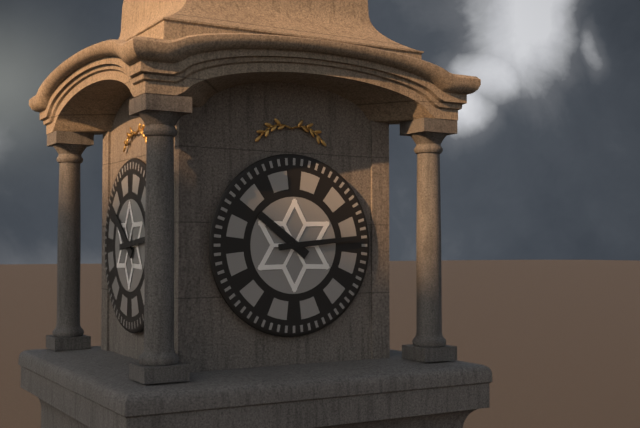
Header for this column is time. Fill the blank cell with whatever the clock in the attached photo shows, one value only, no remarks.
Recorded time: 10:14
